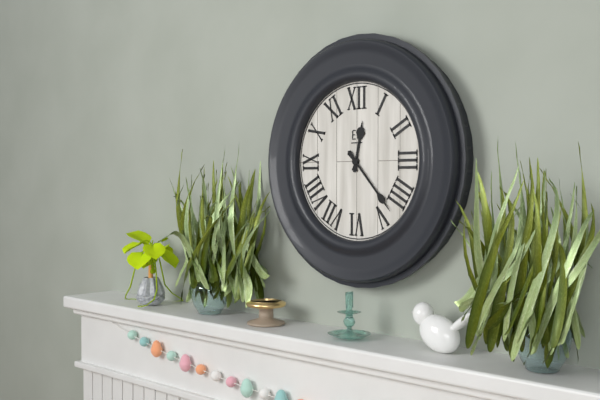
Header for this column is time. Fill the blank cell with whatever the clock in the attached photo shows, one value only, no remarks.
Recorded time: 12:23
